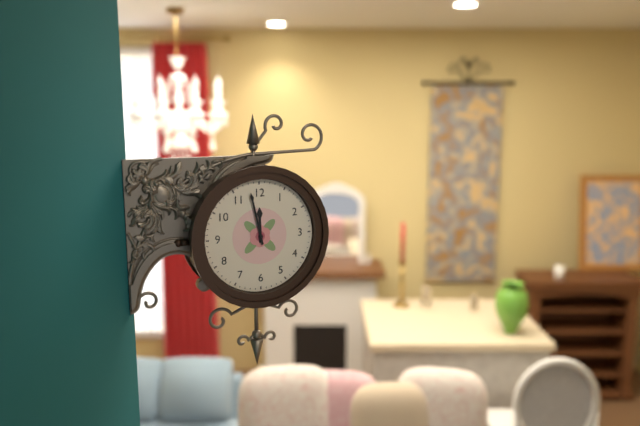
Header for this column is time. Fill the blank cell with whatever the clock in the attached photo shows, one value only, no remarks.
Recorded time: 11:58
